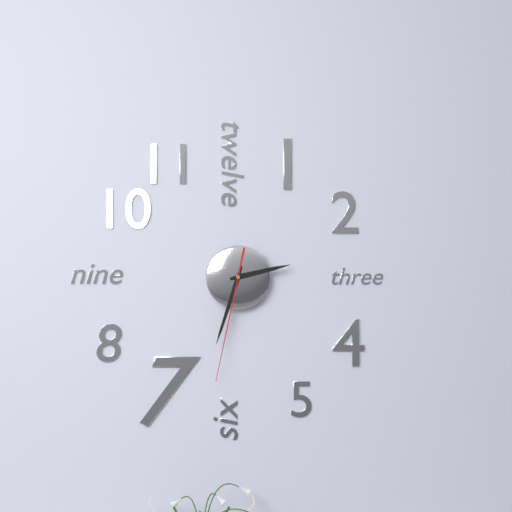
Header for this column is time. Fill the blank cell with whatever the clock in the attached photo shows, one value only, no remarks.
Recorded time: 2:33:32
